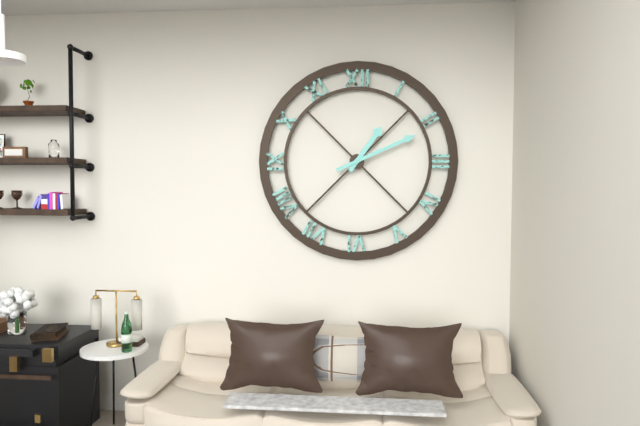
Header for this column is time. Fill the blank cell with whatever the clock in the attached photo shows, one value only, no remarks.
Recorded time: 1:11
